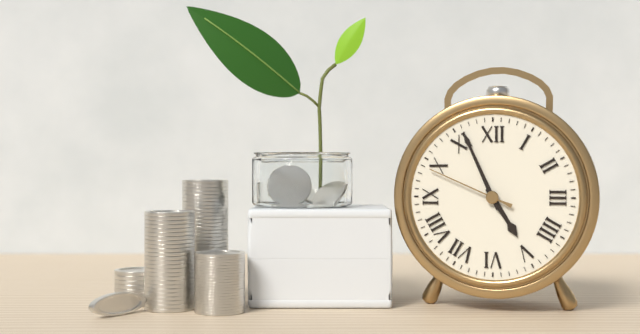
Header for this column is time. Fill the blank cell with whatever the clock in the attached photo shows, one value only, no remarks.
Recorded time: 4:56:49
